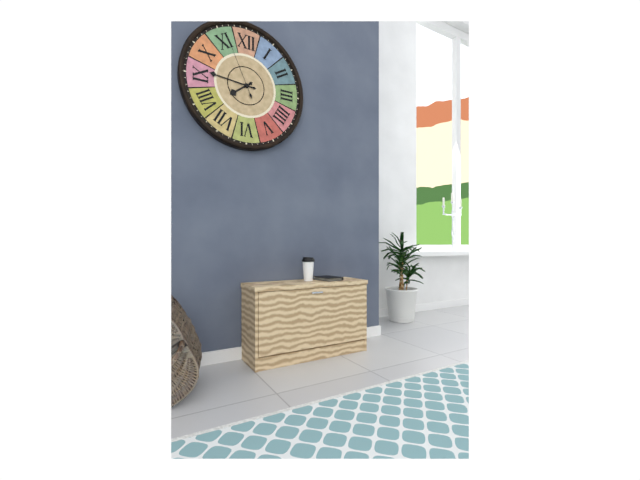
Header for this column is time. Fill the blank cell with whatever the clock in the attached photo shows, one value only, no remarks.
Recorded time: 7:46:56
